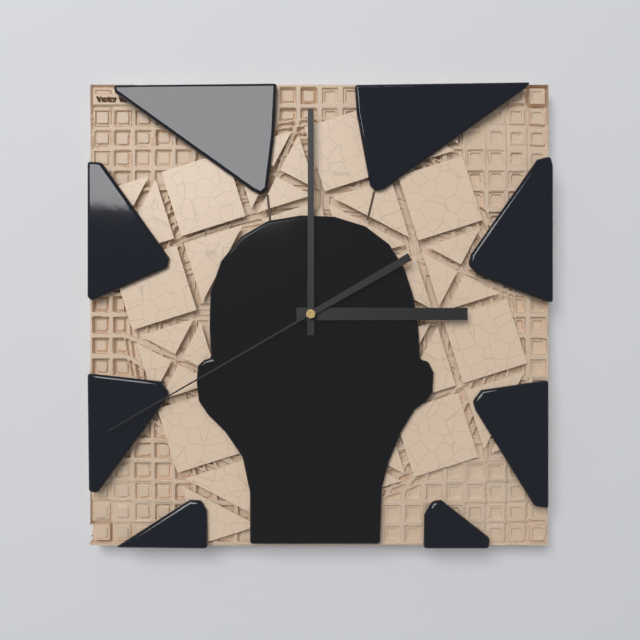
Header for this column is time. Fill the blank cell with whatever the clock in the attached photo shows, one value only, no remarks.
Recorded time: 3:00:40
